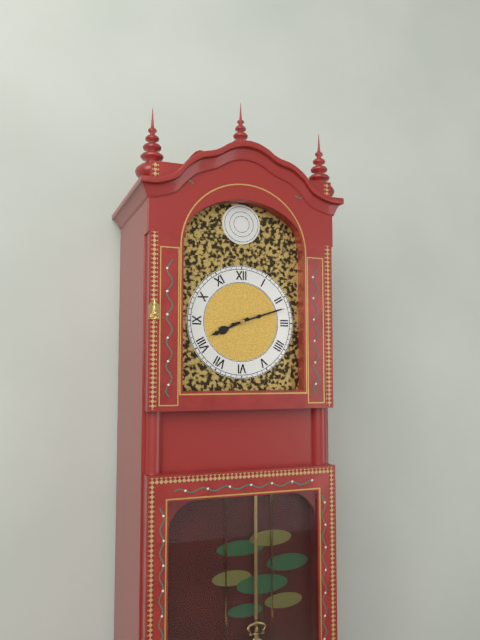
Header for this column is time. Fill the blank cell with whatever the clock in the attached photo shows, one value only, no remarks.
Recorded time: 8:12
